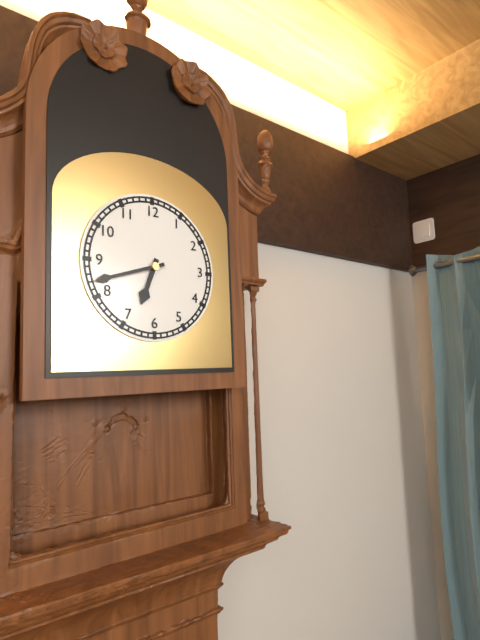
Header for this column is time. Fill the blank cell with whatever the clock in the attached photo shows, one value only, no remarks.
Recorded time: 6:42
